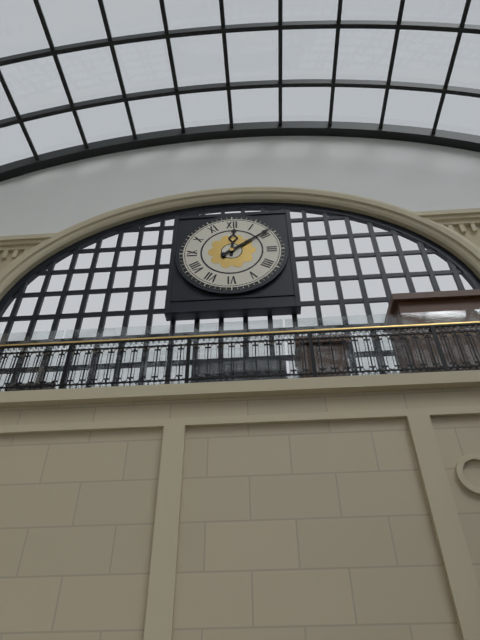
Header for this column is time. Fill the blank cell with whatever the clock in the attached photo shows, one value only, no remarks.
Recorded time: 12:09
